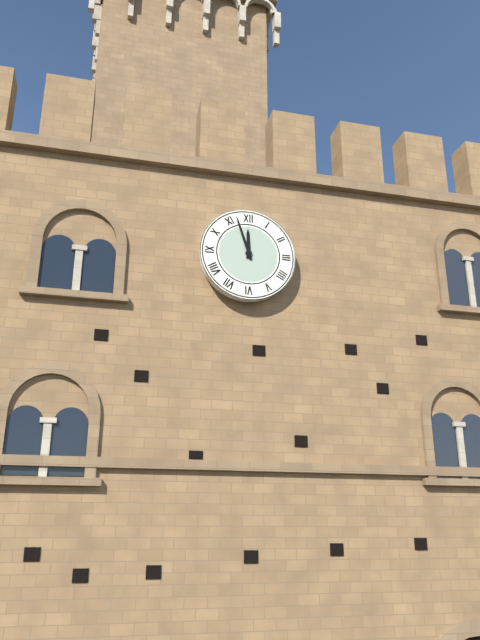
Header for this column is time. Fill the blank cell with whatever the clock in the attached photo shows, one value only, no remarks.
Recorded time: 11:57
